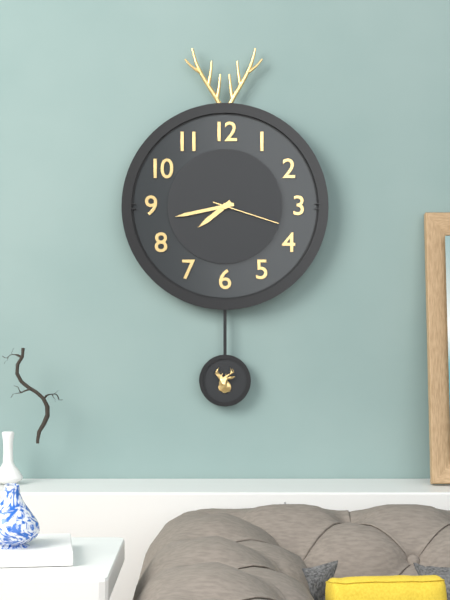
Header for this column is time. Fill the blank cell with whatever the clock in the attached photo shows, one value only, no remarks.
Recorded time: 7:43:18
